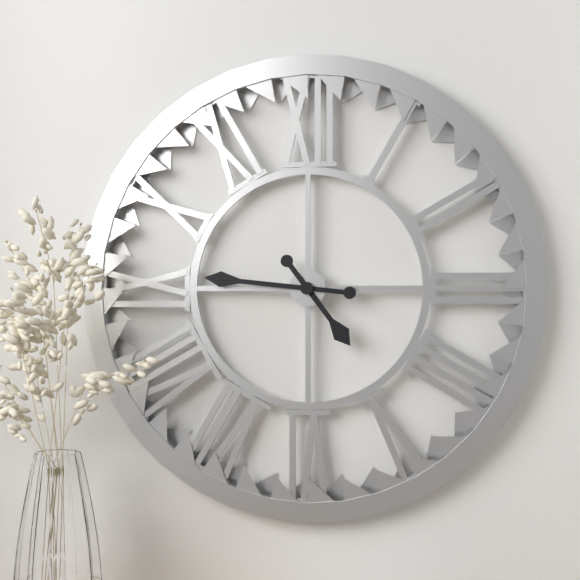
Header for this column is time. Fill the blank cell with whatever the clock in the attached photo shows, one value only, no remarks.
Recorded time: 4:46
